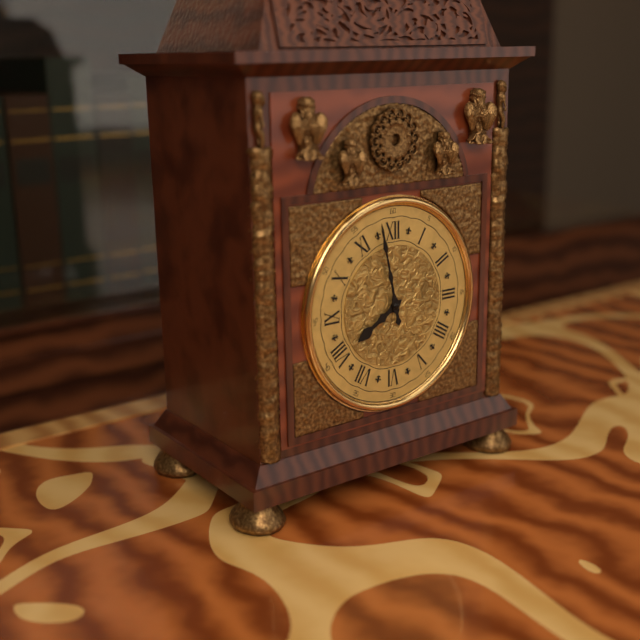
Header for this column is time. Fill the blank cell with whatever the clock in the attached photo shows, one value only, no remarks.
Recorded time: 7:58
